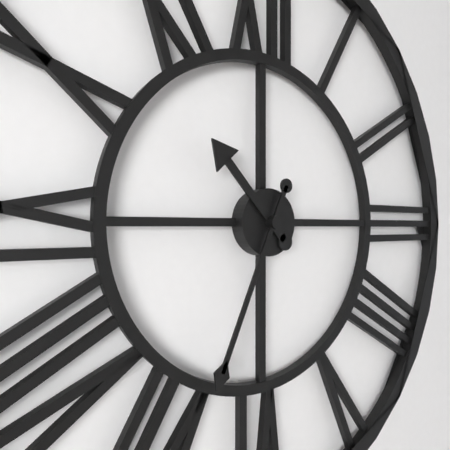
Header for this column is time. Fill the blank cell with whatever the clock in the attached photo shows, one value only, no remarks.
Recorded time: 10:34
